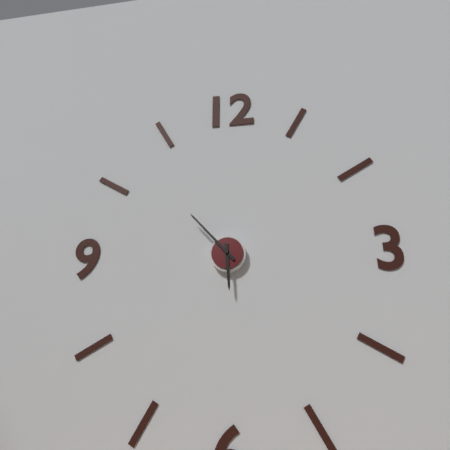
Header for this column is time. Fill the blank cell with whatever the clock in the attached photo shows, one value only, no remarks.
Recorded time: 5:53
